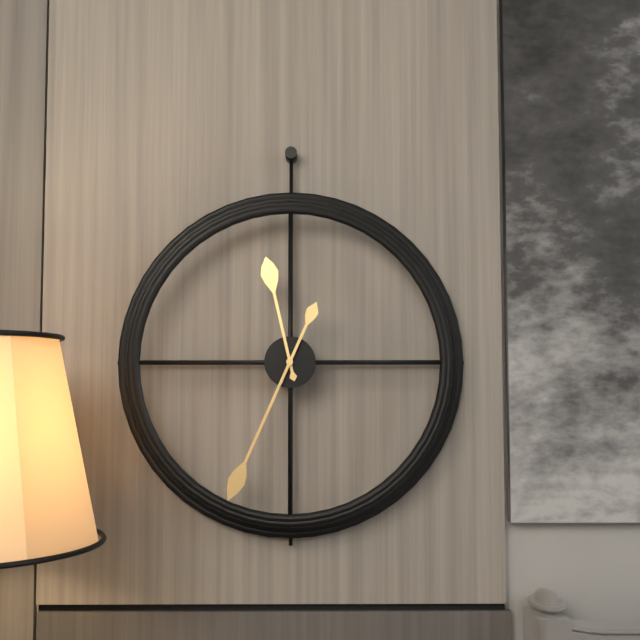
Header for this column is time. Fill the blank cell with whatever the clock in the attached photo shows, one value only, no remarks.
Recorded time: 11:34
